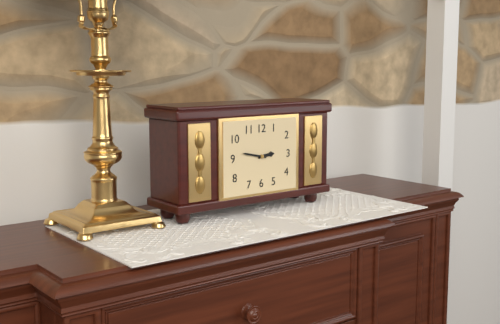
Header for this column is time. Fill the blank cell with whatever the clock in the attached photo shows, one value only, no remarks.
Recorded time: 2:47
